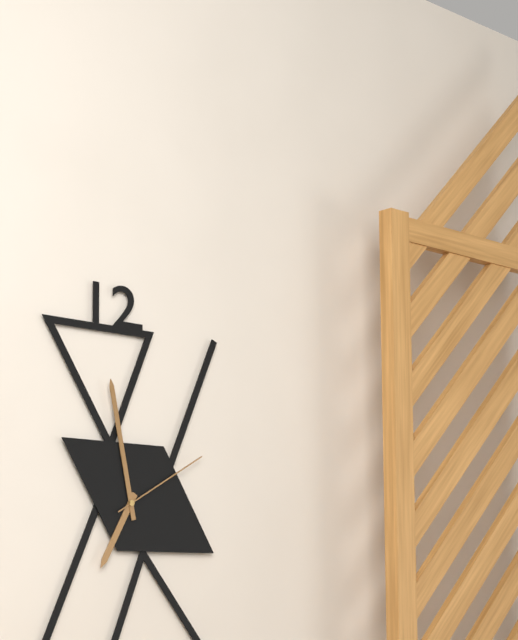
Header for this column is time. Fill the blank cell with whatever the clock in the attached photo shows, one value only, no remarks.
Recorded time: 6:58:10
